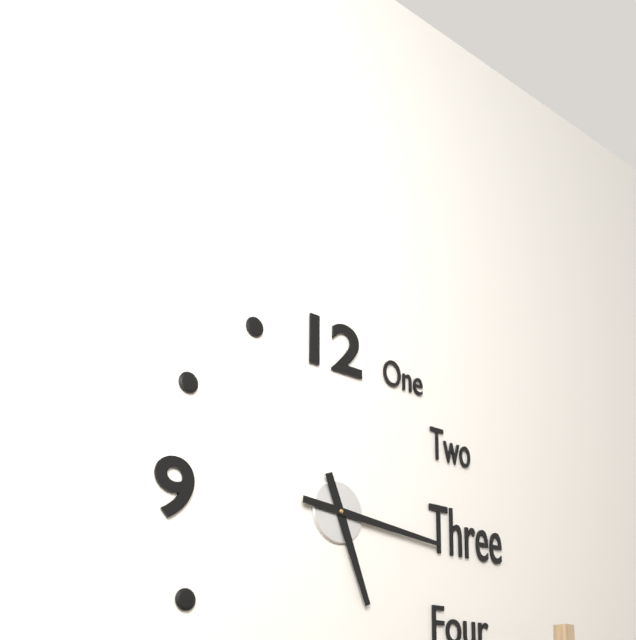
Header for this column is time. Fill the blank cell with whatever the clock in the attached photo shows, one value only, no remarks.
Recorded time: 5:16
